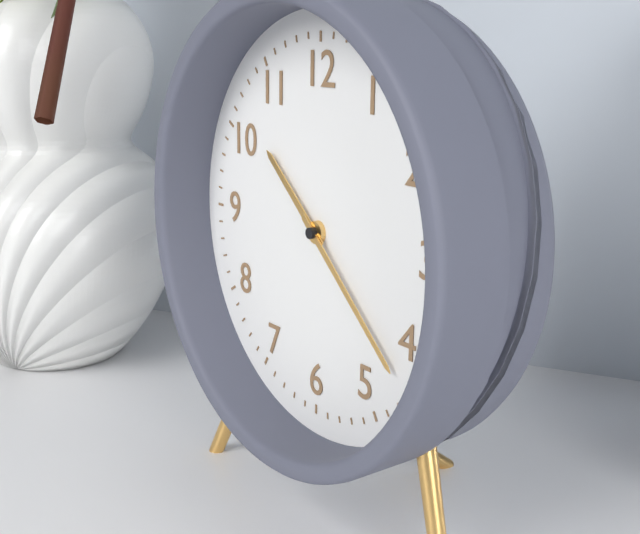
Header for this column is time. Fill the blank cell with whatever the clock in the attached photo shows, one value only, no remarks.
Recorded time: 10:22
